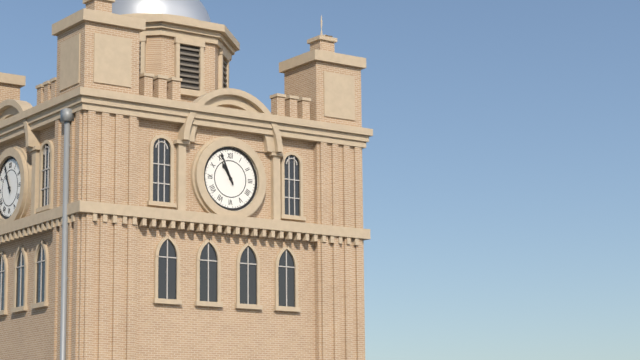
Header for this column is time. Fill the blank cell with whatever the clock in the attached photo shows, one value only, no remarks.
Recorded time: 10:56
